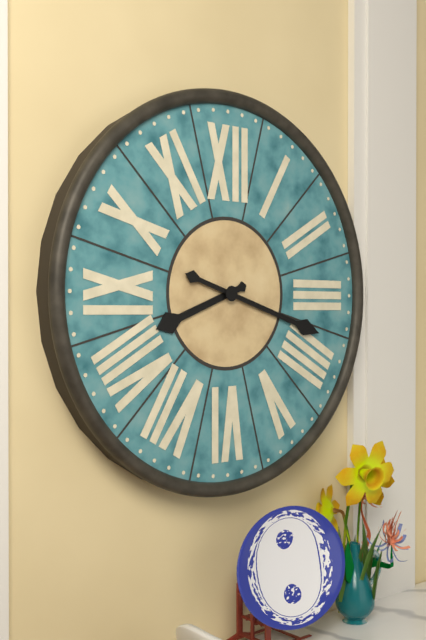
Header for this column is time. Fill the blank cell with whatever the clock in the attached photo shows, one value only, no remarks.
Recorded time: 8:18
